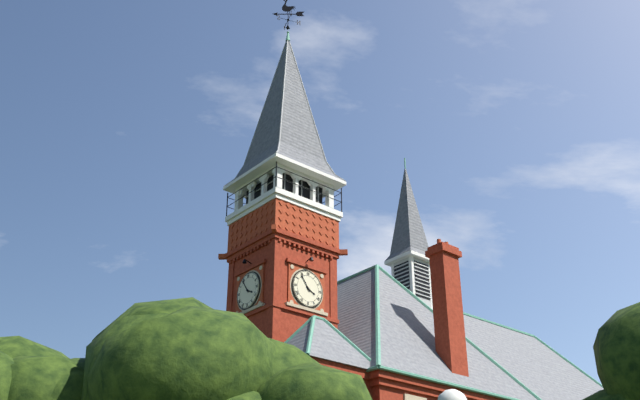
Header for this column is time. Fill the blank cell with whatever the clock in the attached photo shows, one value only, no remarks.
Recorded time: 3:54
